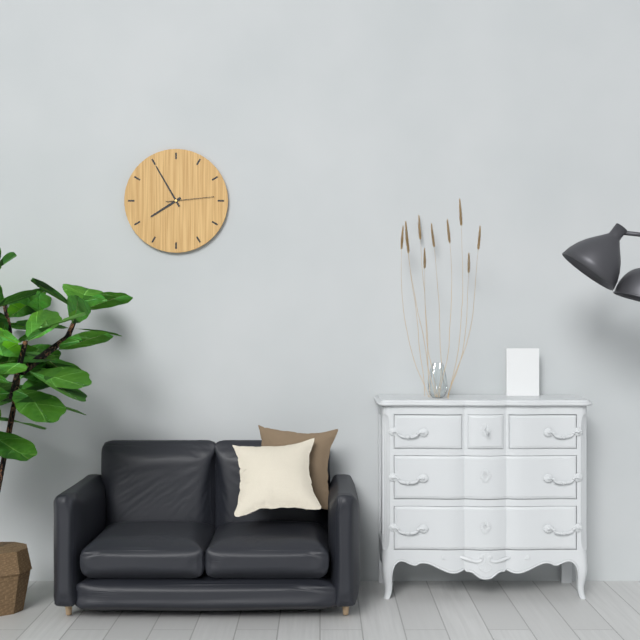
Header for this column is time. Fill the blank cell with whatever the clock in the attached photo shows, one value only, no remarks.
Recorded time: 7:55
